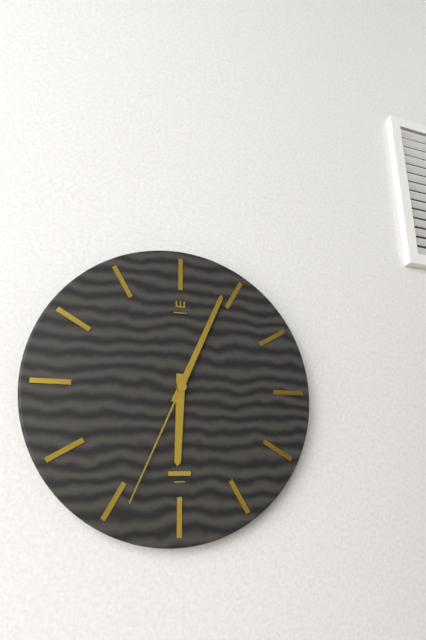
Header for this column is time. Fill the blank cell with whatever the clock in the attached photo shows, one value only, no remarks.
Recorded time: 6:04:34
